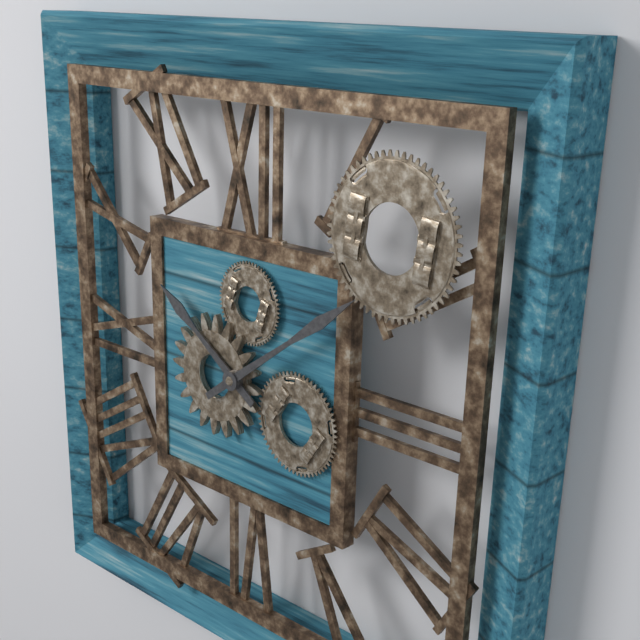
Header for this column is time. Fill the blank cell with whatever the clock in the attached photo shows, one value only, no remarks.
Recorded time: 10:09
